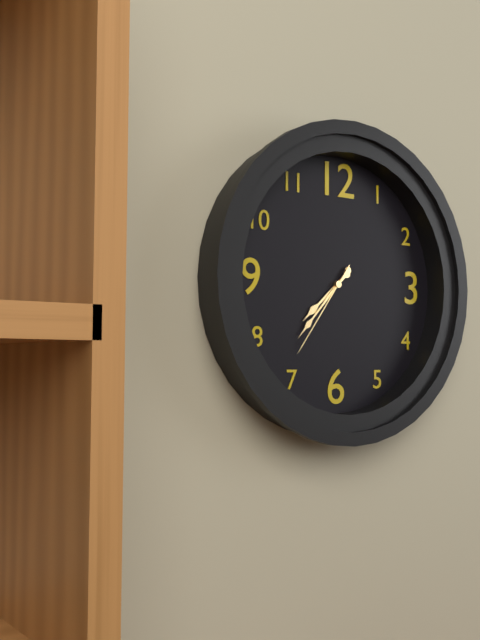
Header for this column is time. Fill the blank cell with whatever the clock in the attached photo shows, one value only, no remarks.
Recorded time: 7:37:36
